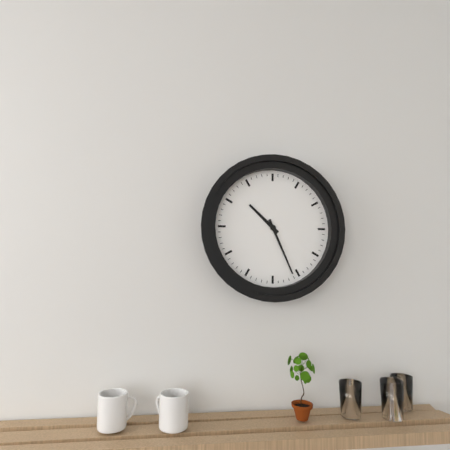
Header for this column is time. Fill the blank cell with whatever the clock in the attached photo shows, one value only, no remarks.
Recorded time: 10:26
